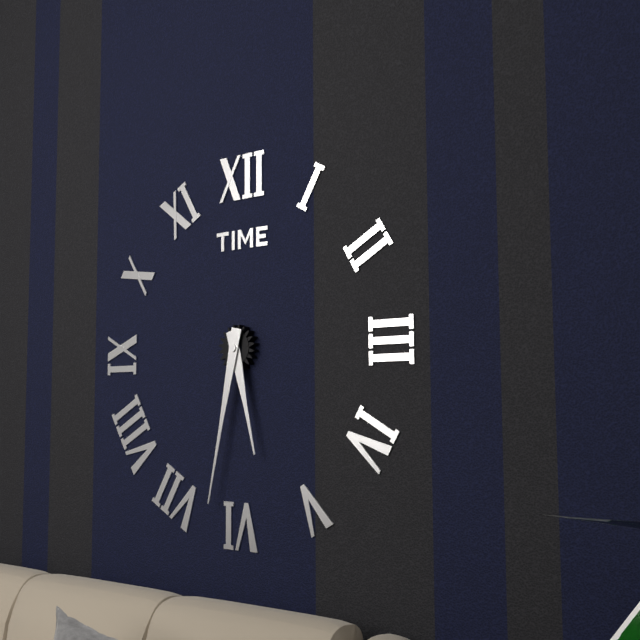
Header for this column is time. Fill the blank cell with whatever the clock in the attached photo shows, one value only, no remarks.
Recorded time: 5:32
